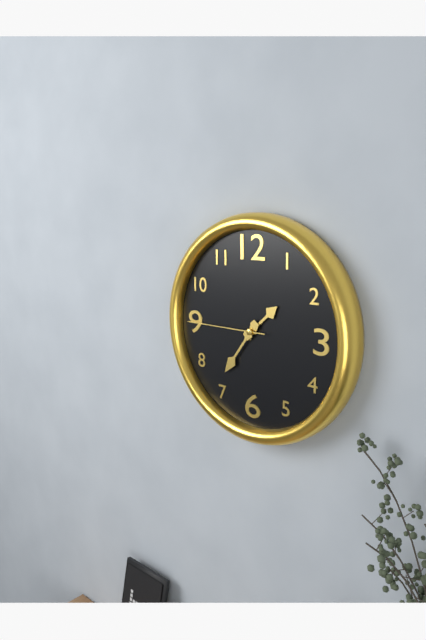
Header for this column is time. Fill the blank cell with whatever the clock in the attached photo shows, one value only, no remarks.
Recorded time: 1:36:45
